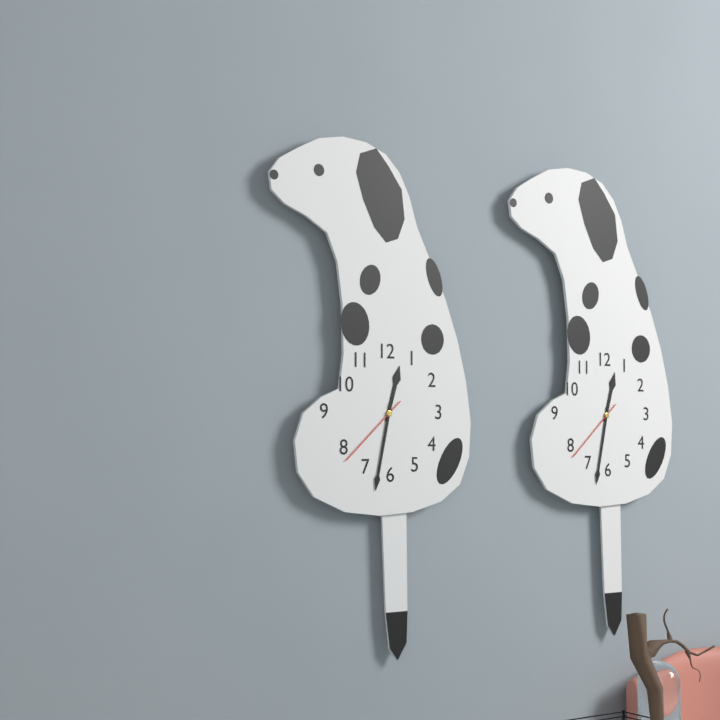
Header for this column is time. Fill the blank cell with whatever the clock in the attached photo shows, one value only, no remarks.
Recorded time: 12:32:38
